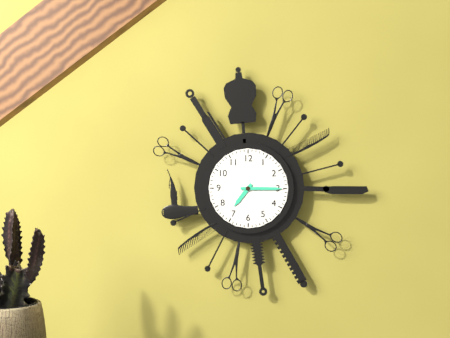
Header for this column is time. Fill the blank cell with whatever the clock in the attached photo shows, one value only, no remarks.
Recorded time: 7:15
